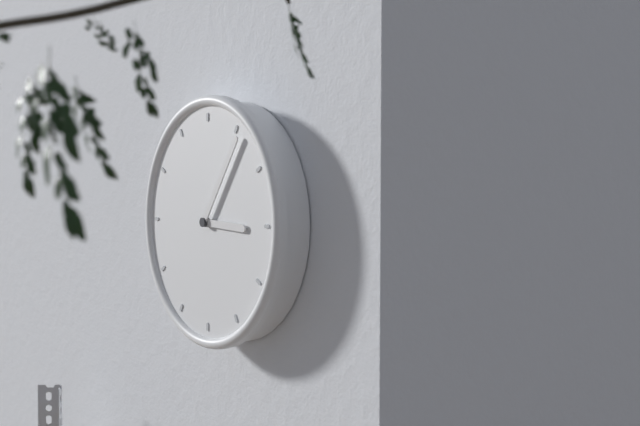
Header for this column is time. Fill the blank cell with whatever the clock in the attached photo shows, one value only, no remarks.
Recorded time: 3:06
